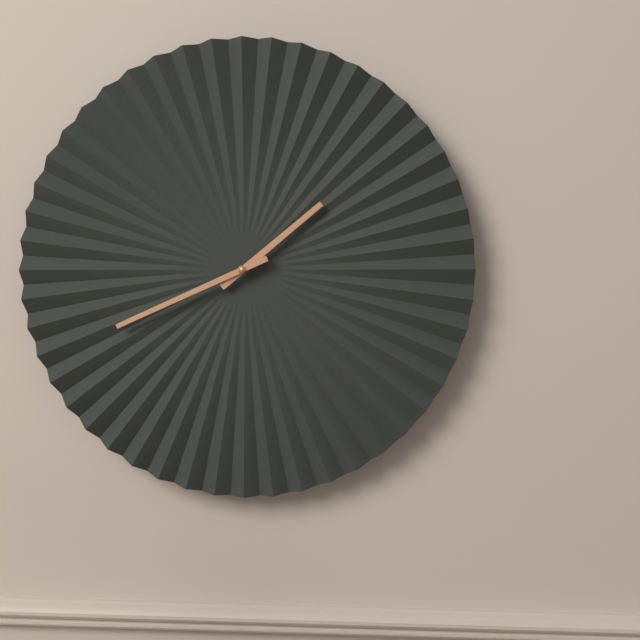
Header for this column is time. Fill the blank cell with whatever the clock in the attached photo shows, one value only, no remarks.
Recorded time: 1:41
